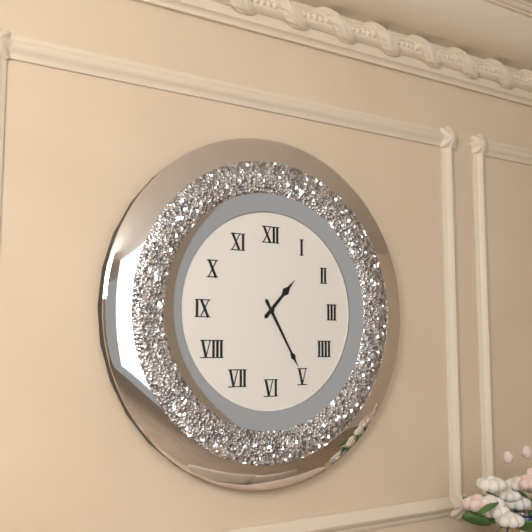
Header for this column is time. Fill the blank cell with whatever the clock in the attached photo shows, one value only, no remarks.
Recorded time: 1:25
